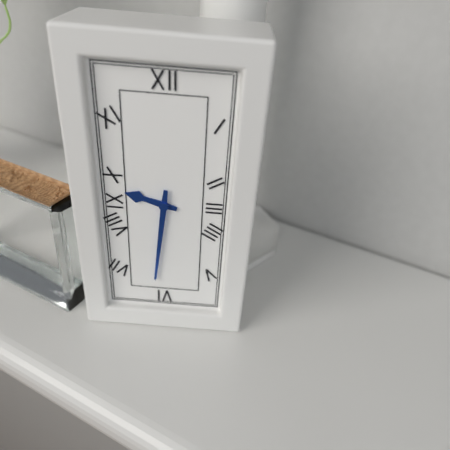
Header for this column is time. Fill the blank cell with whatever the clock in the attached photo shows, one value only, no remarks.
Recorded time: 9:31
